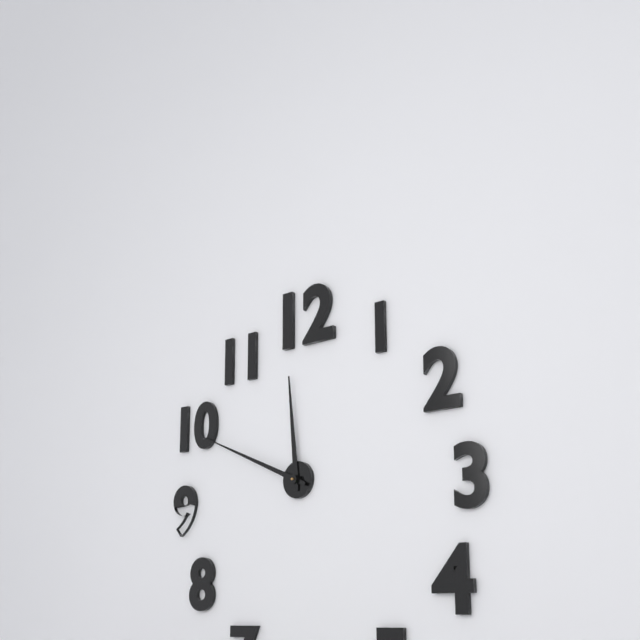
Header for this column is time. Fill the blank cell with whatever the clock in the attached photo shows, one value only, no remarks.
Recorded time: 11:49
